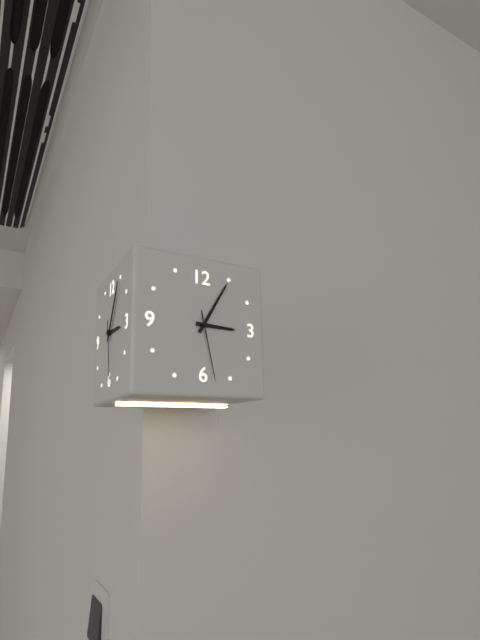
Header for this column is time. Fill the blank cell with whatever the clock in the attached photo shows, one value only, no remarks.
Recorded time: 3:05:28
